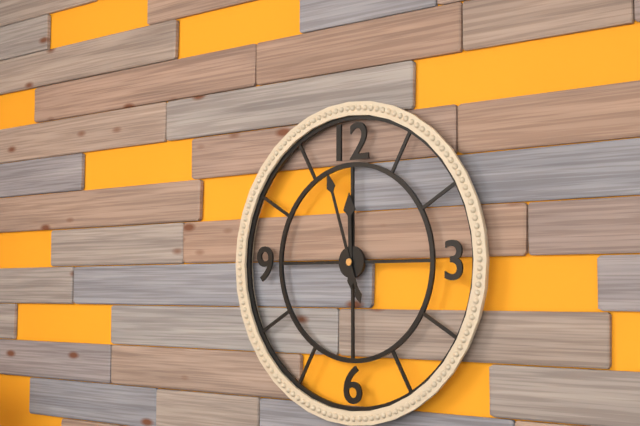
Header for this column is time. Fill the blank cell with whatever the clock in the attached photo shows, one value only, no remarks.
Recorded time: 11:57
